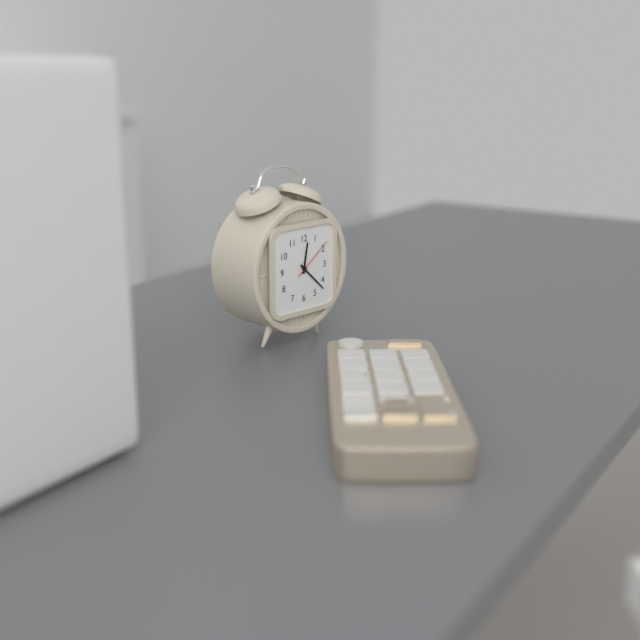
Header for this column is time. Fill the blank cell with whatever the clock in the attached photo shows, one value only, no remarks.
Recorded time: 12:22
